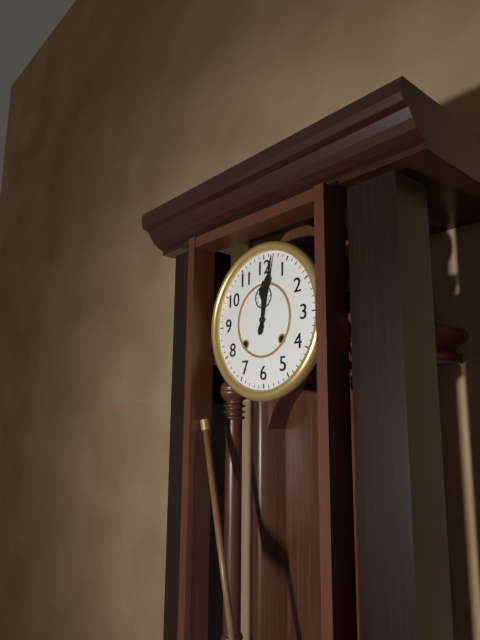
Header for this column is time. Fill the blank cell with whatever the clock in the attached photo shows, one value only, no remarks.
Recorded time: 12:02
